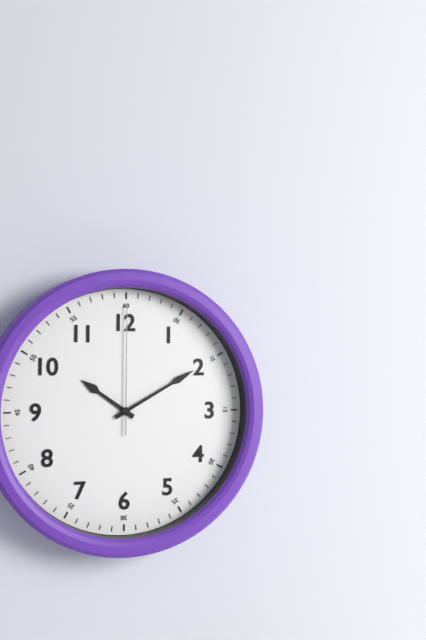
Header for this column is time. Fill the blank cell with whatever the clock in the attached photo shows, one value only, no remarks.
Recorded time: 10:10:00
